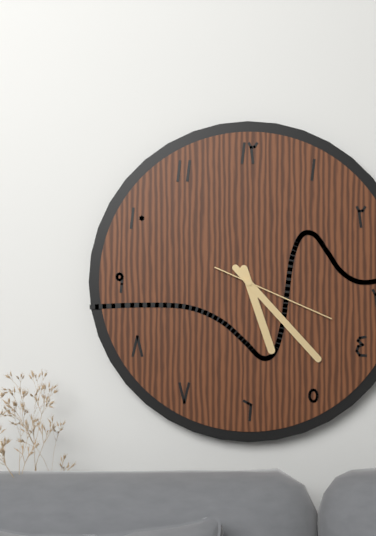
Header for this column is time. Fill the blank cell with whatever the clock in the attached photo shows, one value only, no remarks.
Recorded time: 5:23:19
